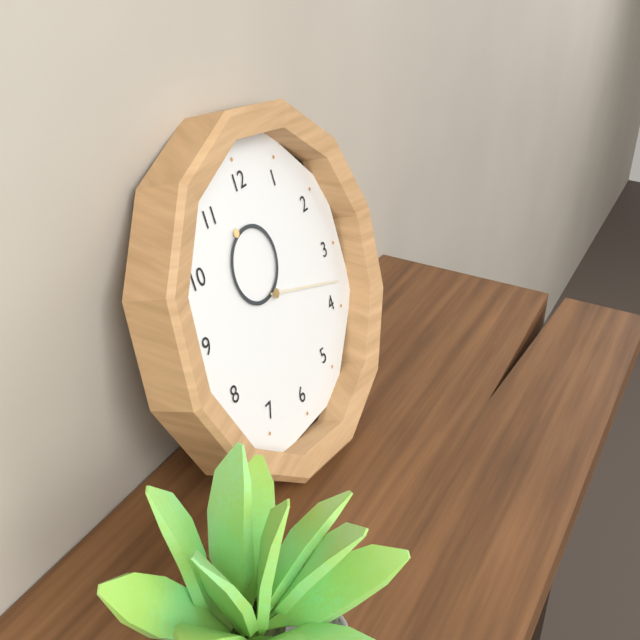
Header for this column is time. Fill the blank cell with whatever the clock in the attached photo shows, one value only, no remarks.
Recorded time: 11:18
